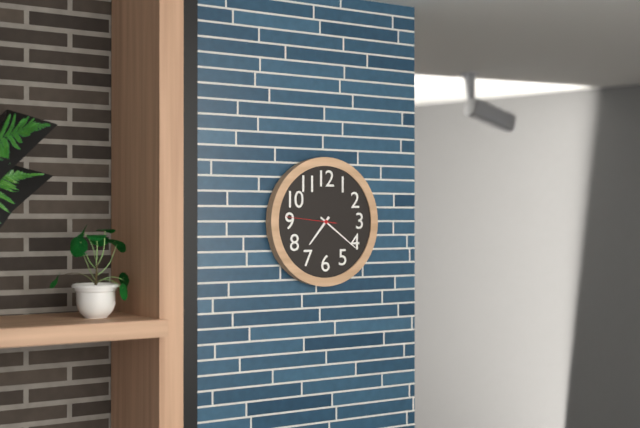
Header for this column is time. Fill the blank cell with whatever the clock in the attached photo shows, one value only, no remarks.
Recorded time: 7:21:46
